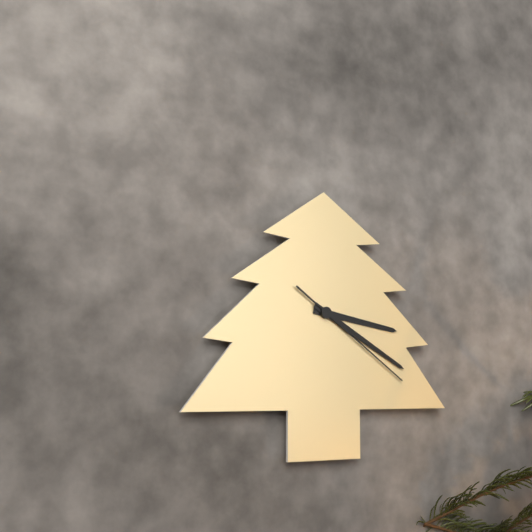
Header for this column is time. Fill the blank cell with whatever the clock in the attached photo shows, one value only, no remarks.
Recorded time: 3:20:21
